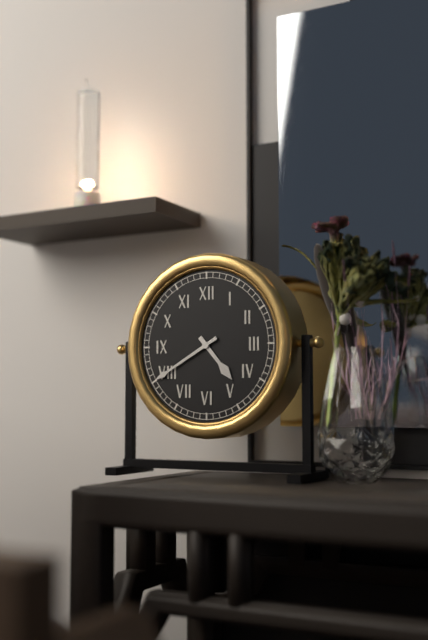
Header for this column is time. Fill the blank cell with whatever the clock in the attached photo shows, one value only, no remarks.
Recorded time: 4:40
